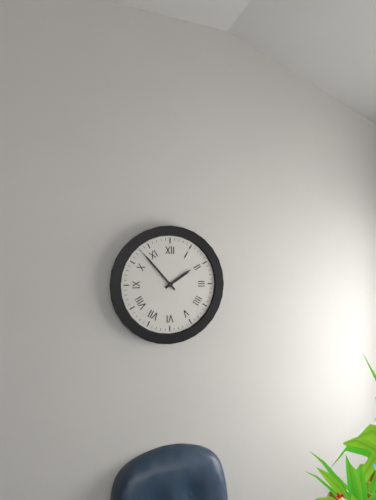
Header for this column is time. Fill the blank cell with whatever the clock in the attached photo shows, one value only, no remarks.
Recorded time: 1:53
